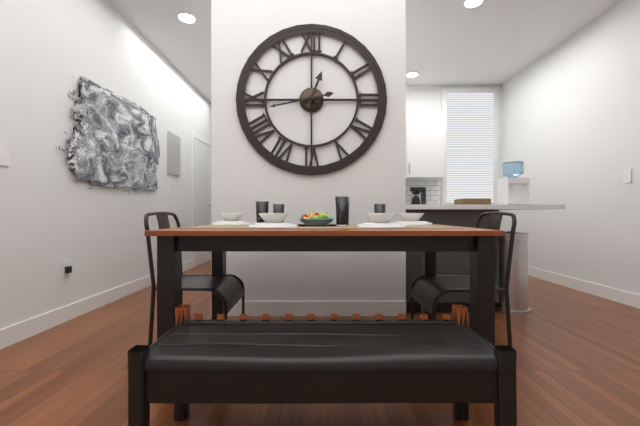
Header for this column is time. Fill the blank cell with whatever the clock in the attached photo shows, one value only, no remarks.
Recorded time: 12:43
